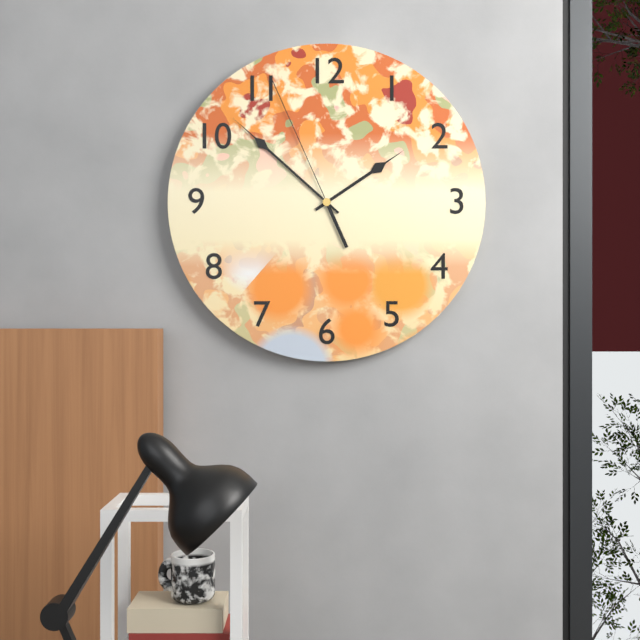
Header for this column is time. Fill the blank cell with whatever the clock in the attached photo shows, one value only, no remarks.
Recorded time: 1:52:56
